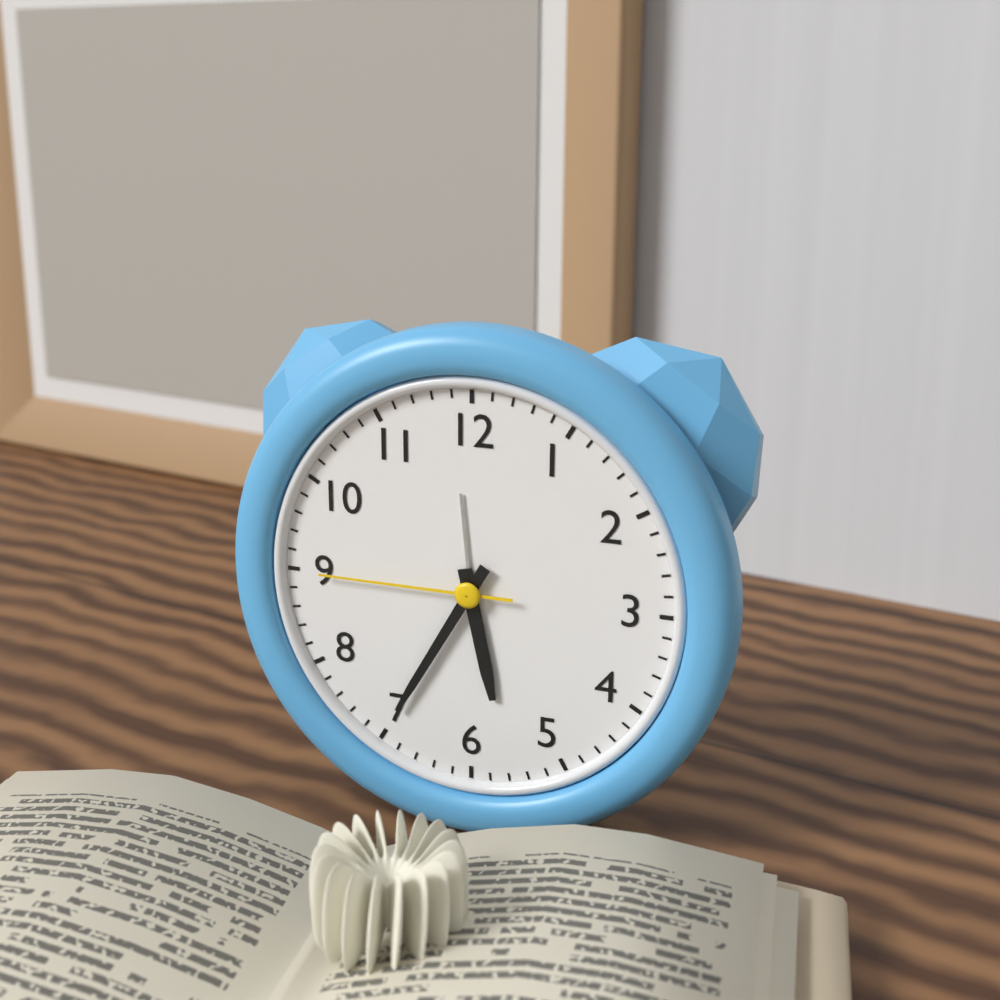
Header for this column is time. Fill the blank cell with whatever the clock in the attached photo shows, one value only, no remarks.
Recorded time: 5:35:45
